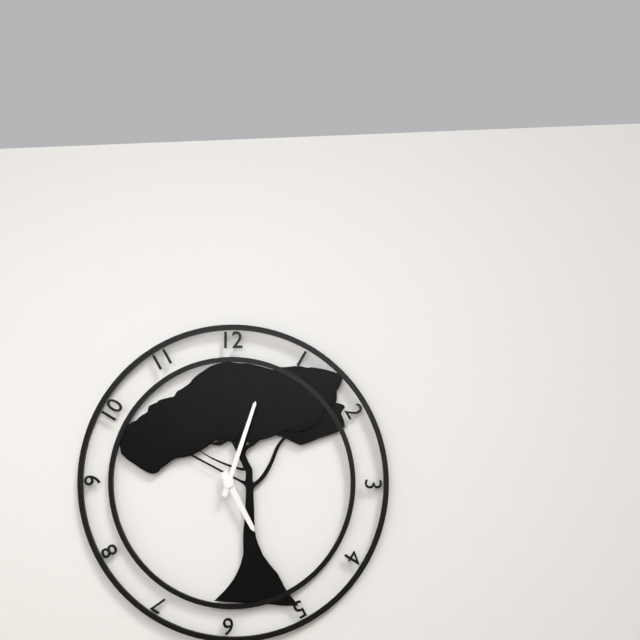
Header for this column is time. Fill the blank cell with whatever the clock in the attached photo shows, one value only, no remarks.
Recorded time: 5:03
